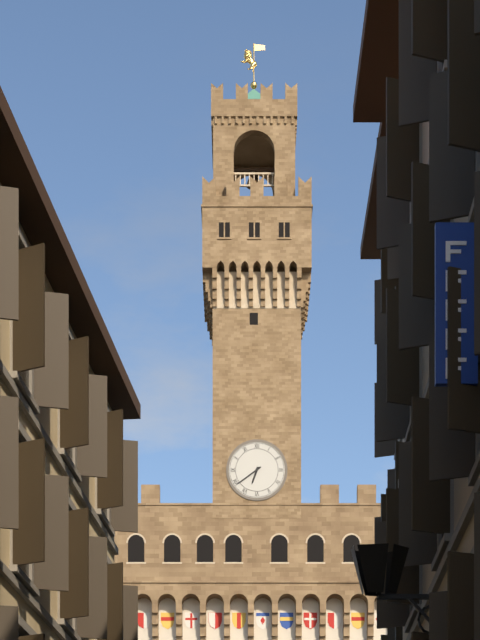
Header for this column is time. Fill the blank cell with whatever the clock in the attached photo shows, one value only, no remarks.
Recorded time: 6:39
